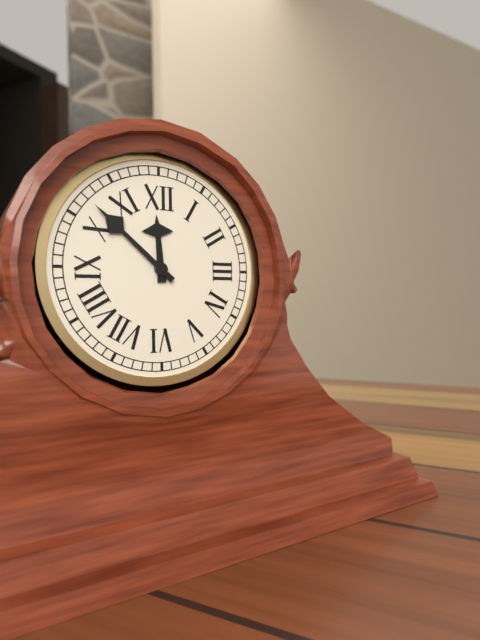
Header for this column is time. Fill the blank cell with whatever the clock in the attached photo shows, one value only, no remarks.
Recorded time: 11:52
